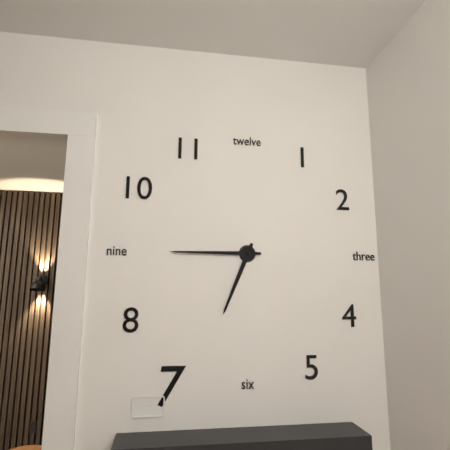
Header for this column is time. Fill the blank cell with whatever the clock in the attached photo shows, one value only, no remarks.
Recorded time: 6:45
